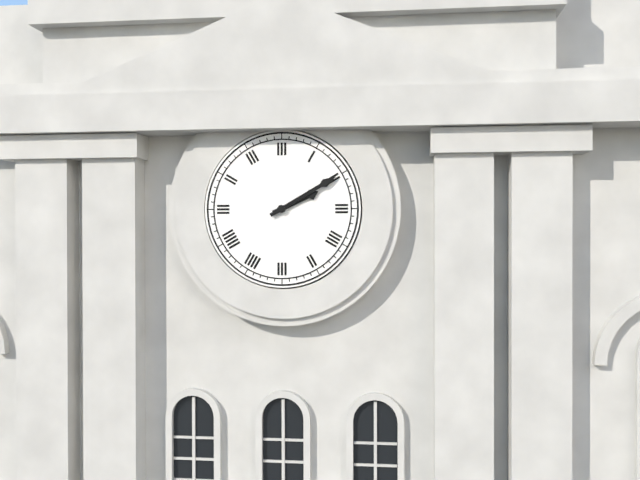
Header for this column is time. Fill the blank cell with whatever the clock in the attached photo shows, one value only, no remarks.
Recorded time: 2:10
